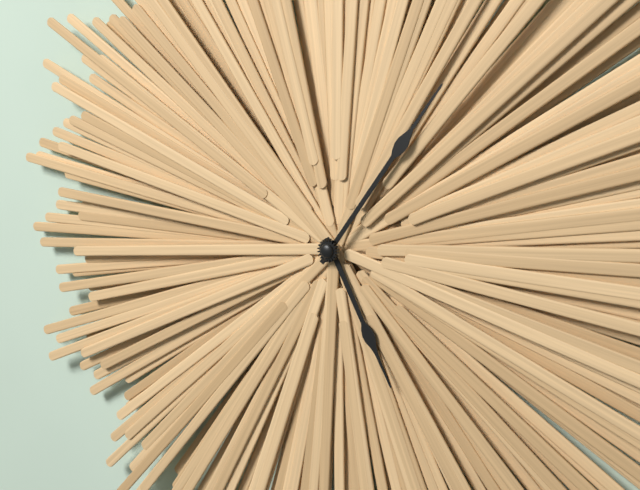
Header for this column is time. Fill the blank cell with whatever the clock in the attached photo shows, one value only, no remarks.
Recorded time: 5:06
